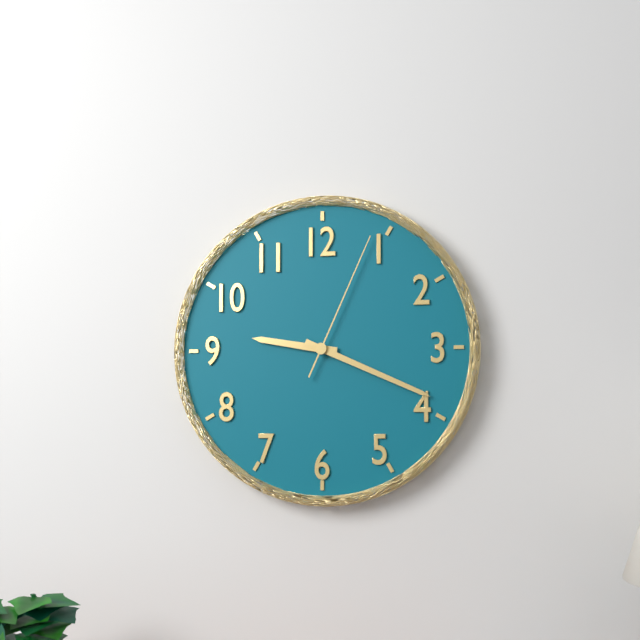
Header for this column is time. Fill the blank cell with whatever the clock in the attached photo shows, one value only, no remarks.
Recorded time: 9:19:04
